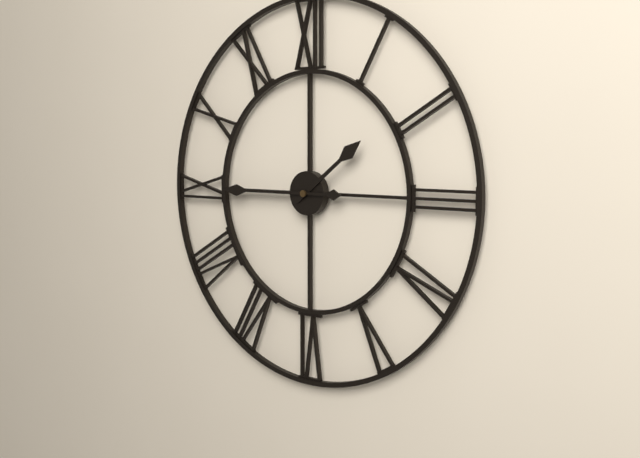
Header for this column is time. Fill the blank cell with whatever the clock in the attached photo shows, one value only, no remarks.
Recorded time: 1:45
